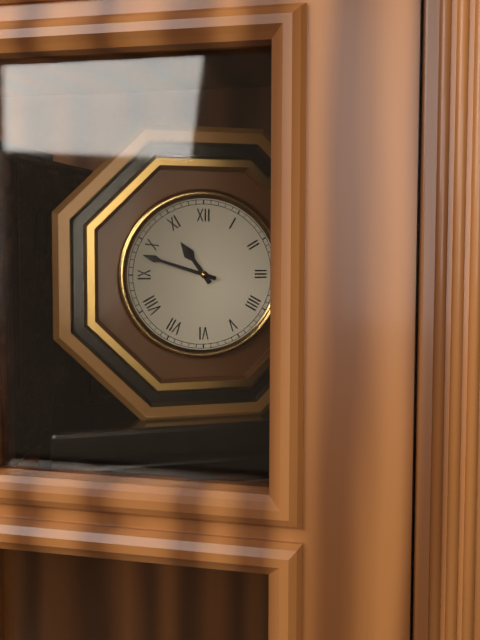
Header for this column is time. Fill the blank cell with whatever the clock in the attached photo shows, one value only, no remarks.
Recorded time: 10:48
